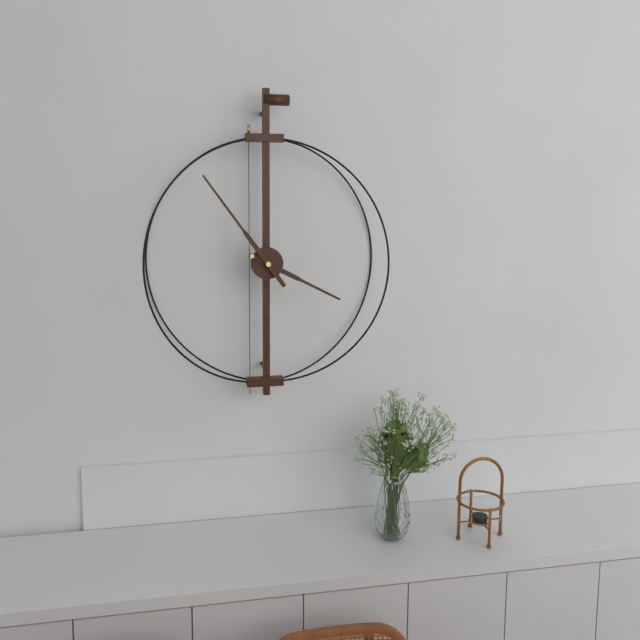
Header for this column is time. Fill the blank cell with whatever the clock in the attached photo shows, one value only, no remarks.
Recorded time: 3:54
